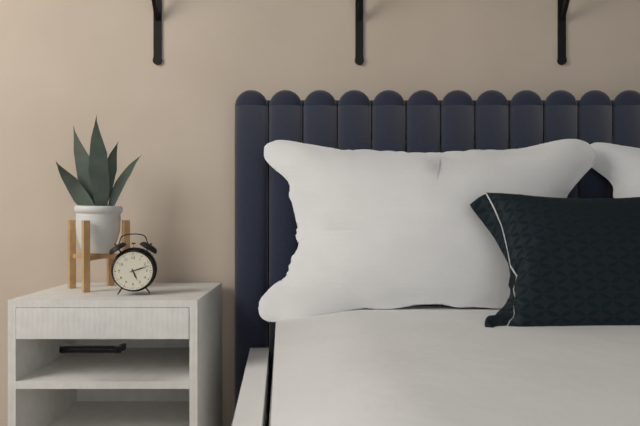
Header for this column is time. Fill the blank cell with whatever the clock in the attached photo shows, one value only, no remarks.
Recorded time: 5:12
